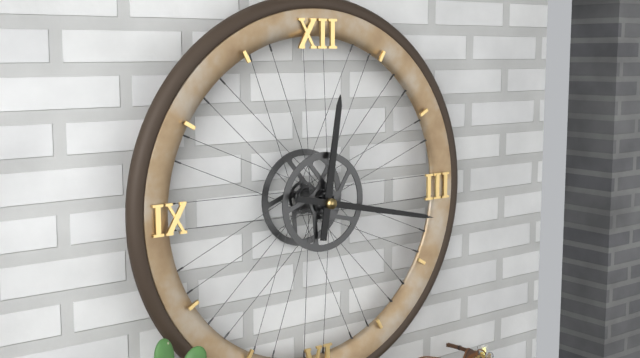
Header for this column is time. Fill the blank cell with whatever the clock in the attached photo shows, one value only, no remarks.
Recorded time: 12:17
